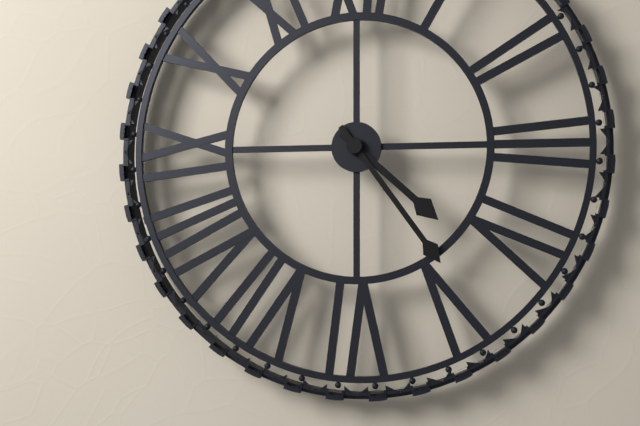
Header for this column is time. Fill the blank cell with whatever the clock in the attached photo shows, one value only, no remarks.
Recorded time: 4:24
